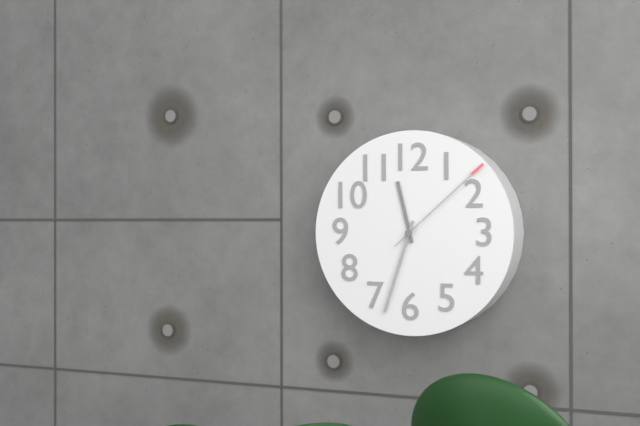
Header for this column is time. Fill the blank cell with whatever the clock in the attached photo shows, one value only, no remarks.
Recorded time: 11:33:08
